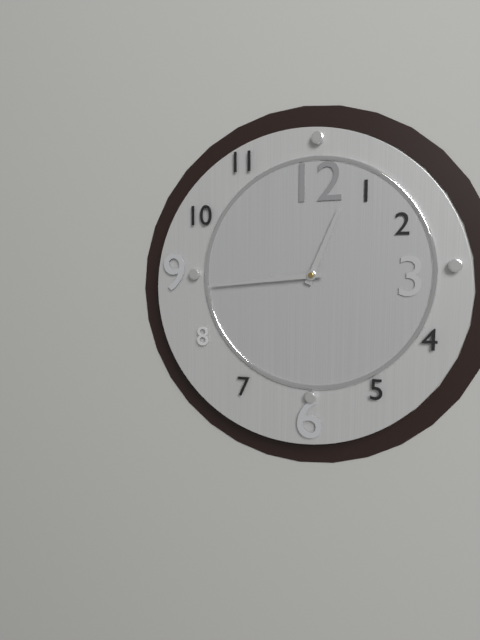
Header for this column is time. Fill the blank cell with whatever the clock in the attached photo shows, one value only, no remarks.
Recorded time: 12:44
